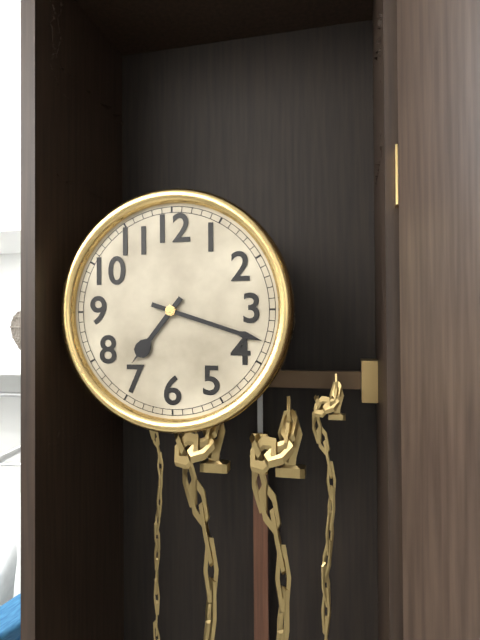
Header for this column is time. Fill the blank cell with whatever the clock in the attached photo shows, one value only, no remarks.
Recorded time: 7:18
